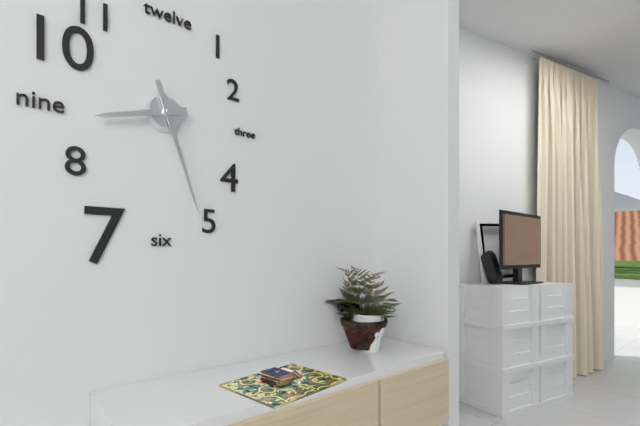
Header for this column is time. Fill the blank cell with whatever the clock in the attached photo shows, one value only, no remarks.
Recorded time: 8:27
